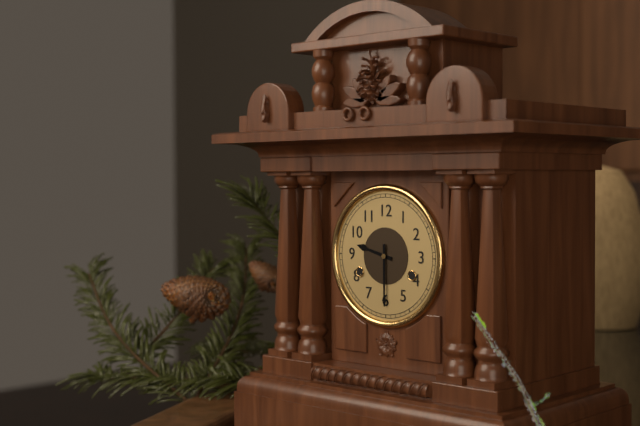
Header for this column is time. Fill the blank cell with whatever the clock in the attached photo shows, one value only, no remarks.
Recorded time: 9:30
